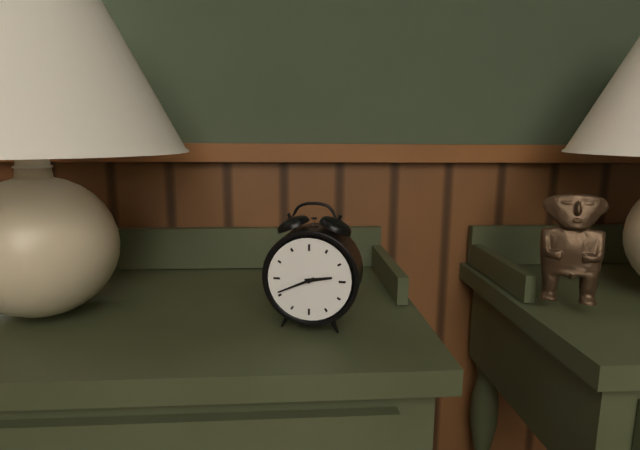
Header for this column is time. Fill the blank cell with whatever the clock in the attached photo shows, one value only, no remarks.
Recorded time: 2:41
